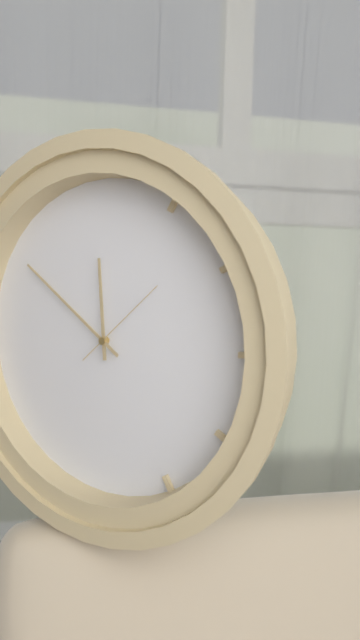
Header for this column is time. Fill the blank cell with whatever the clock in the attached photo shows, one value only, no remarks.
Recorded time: 11:51:08
